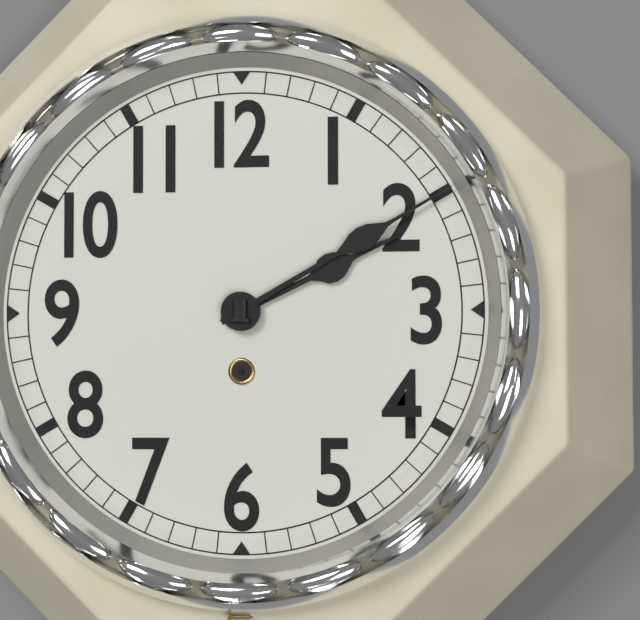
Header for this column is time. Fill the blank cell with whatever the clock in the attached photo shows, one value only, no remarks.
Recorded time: 2:10
